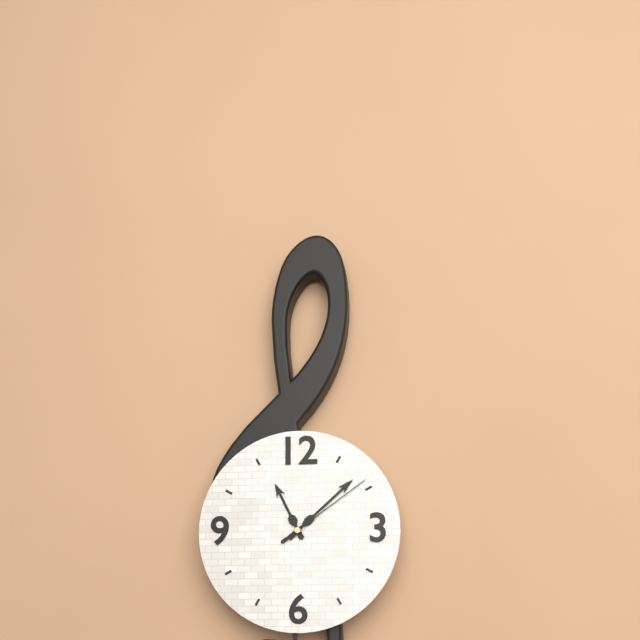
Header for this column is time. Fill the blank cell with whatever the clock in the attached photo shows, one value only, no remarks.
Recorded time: 11:08:09
